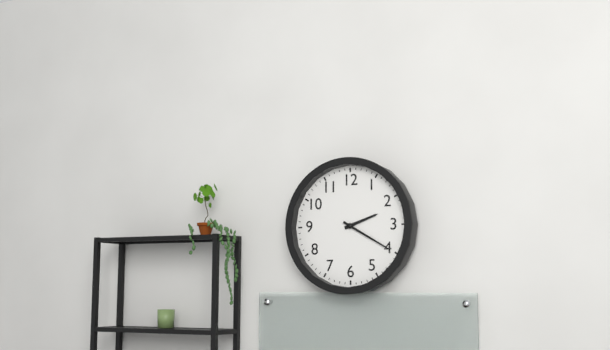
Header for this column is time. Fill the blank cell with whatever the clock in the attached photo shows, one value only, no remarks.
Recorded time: 2:20
